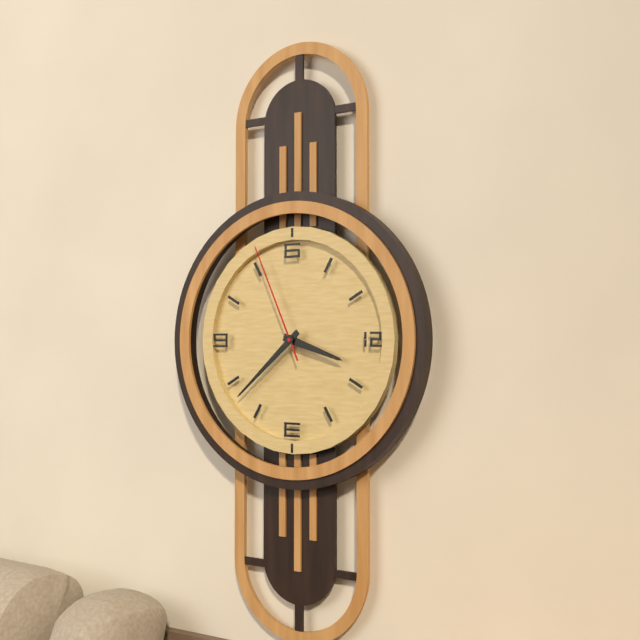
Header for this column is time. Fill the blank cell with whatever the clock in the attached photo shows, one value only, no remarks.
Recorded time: 3:38:56
